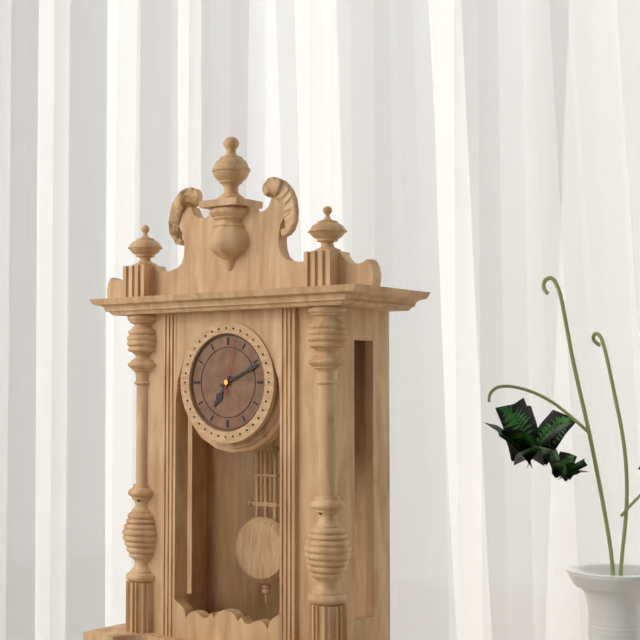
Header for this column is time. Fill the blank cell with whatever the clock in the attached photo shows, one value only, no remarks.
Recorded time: 7:11:02
